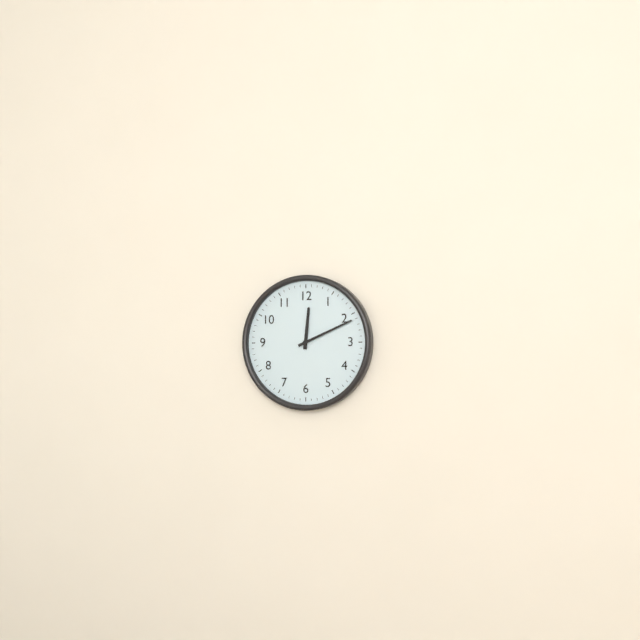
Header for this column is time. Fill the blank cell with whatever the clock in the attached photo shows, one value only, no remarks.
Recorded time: 12:11
